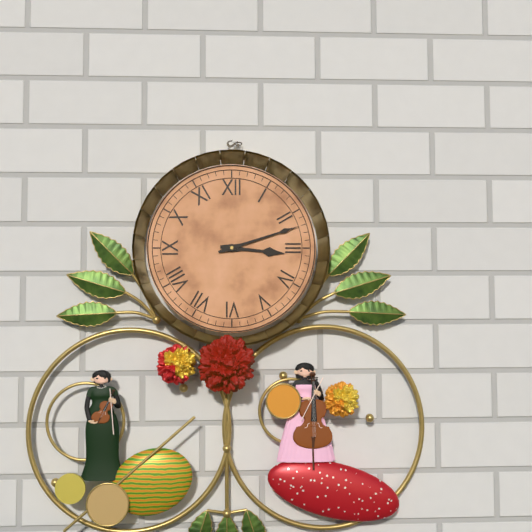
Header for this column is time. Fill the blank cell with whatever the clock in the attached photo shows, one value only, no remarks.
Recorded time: 3:12
